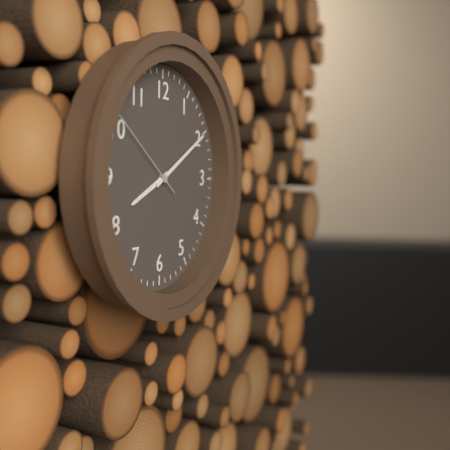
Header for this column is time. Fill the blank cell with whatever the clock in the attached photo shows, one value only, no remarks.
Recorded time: 8:10:51
